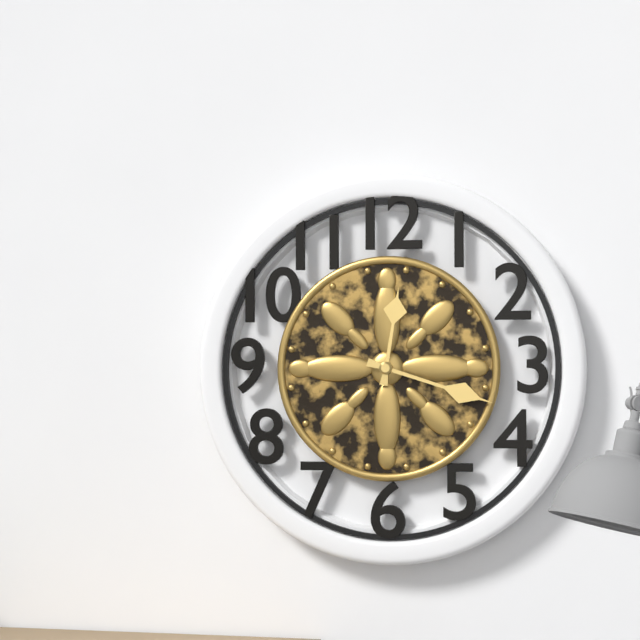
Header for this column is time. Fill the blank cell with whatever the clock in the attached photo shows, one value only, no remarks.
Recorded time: 12:18
